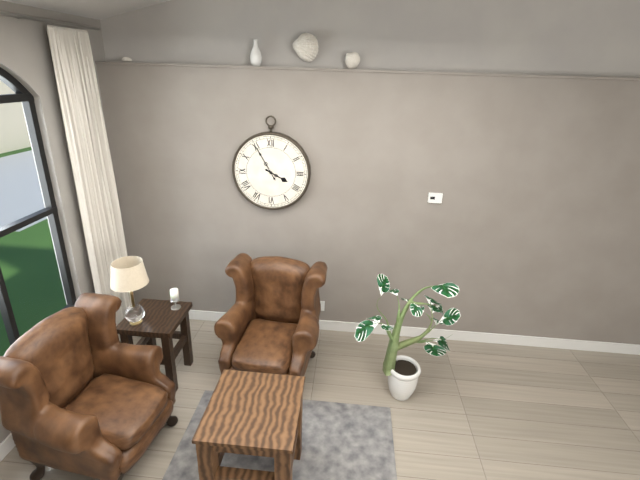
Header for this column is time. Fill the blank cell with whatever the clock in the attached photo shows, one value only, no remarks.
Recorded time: 3:55
